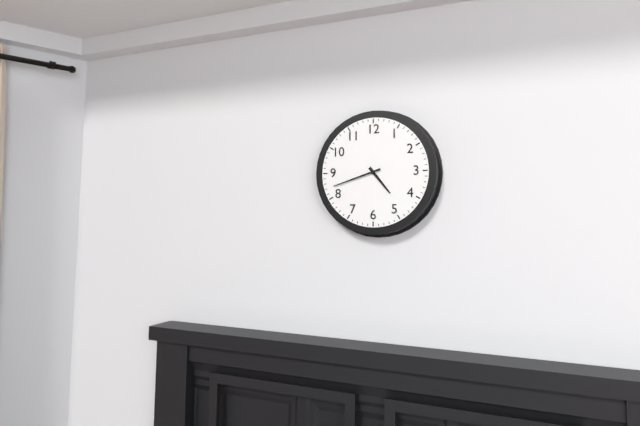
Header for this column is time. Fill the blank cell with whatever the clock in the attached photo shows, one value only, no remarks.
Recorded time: 4:42
